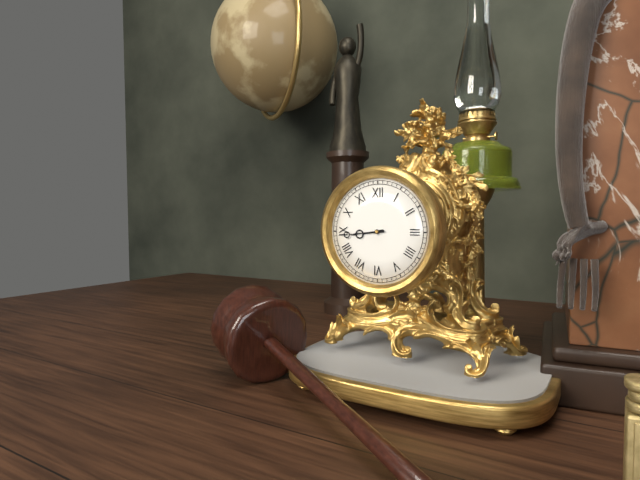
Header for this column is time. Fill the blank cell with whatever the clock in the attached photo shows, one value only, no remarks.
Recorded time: 8:44
